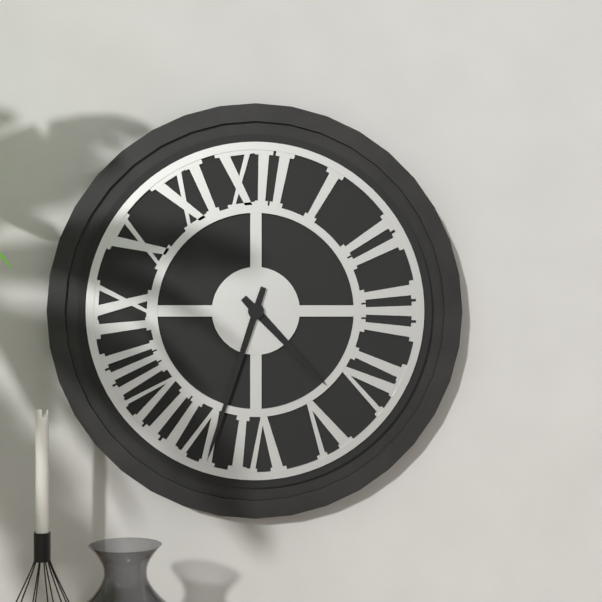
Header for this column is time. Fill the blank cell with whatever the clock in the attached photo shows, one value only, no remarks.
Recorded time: 4:33
